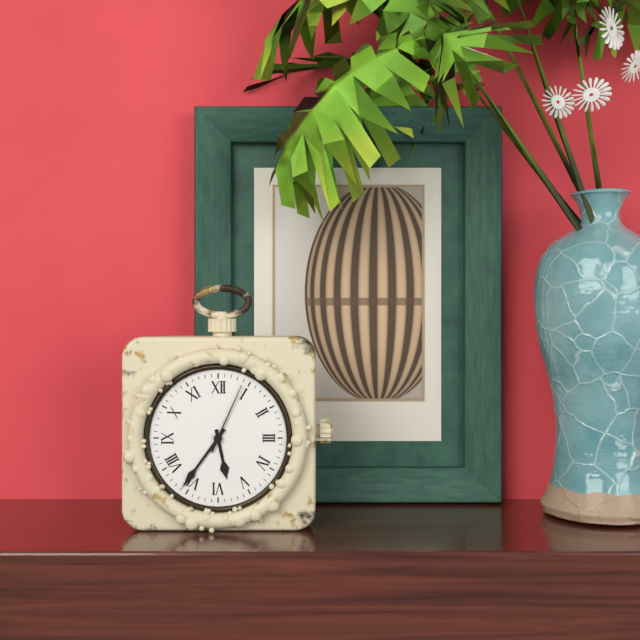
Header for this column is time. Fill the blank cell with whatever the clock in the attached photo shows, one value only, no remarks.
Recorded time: 5:36:04
